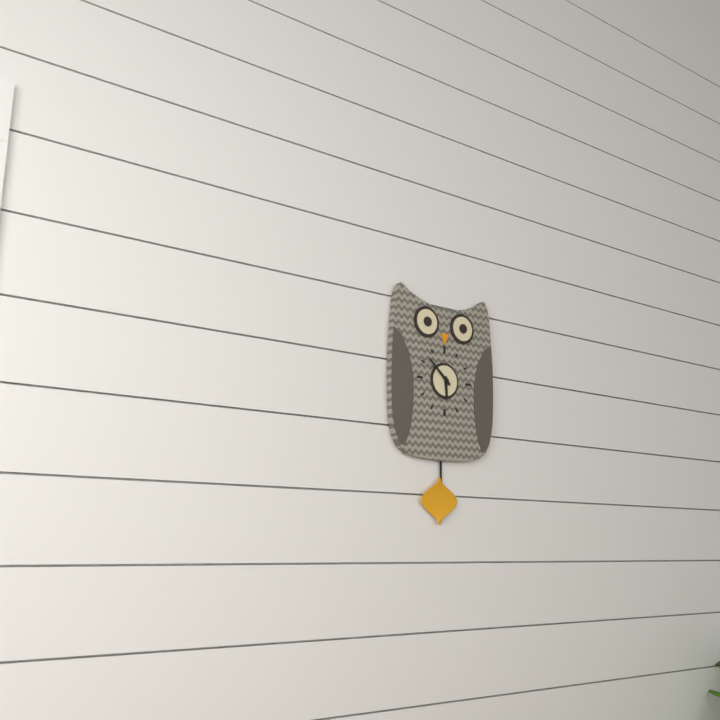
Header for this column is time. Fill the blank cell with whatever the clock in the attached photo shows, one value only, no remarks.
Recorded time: 5:52
